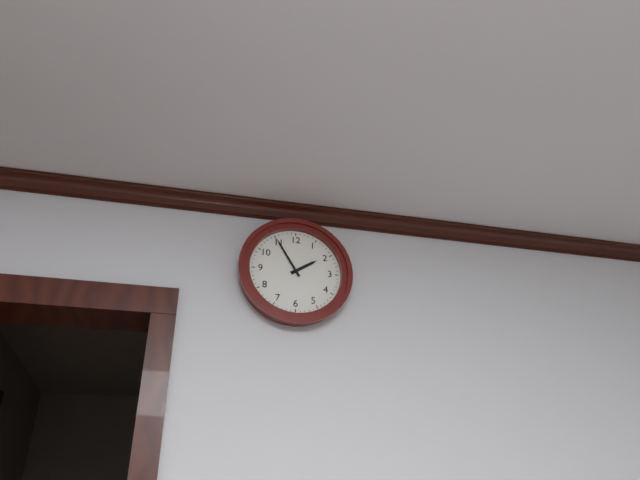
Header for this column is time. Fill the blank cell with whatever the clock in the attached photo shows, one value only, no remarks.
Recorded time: 1:55
